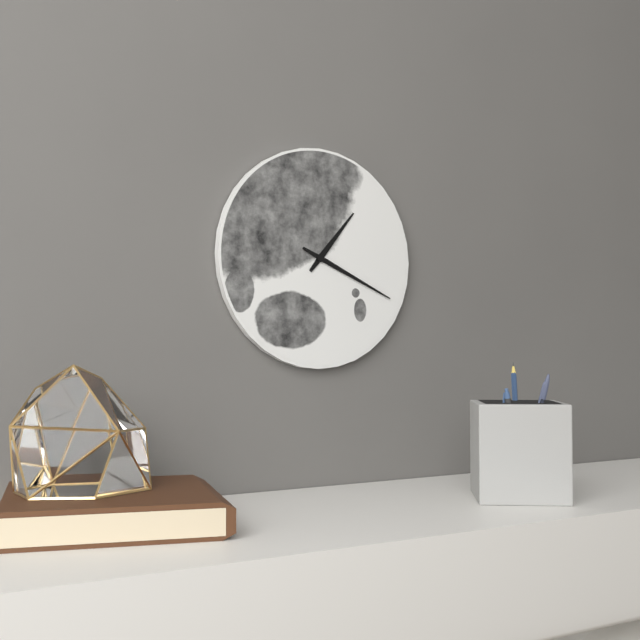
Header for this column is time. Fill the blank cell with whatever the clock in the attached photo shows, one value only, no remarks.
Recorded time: 1:19
